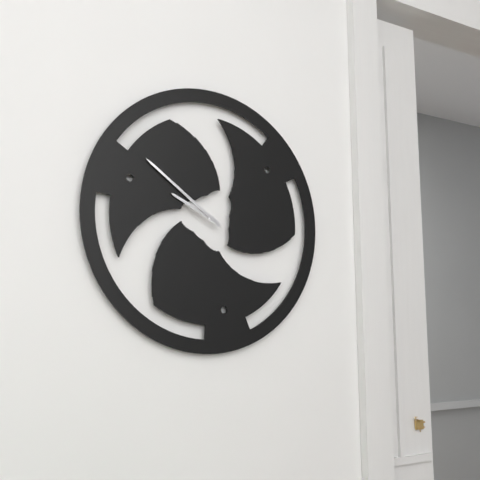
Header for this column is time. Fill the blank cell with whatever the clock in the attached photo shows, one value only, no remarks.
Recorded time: 9:51
